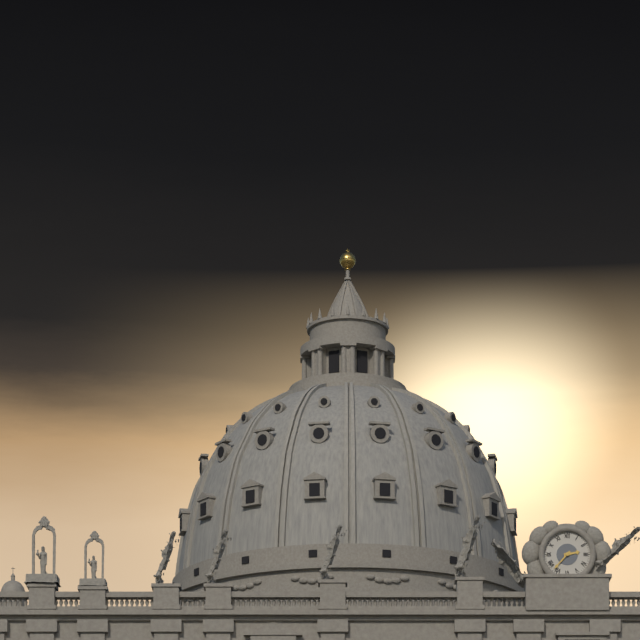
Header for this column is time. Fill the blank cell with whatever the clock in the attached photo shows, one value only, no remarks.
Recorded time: 2:37
